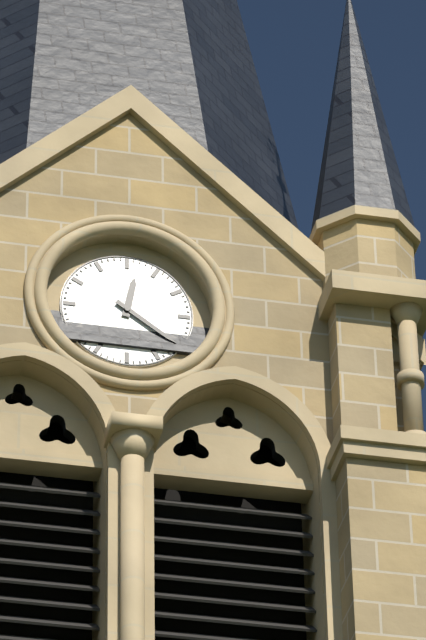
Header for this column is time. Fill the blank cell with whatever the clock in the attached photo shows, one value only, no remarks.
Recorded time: 12:21
